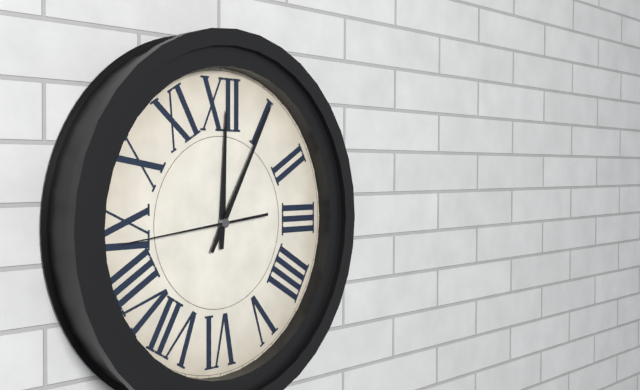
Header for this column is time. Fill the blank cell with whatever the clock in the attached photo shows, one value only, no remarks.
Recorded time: 12:05:44
